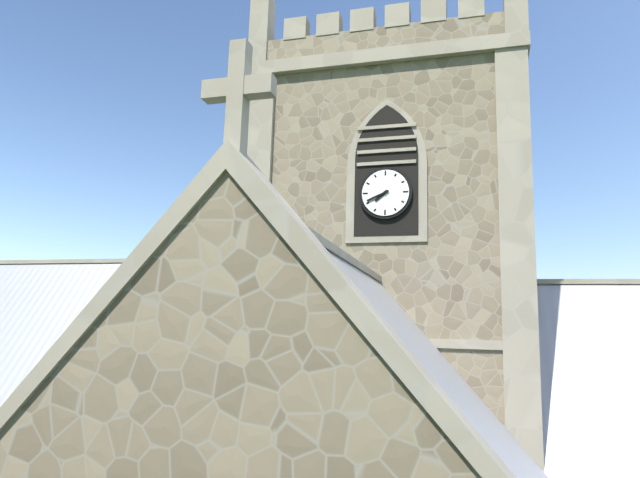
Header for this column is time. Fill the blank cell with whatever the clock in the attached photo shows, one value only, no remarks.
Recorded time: 7:41
